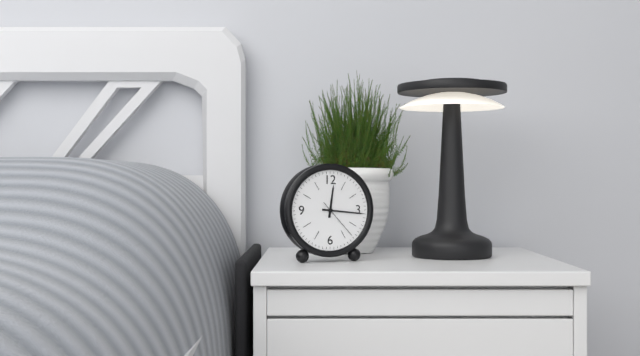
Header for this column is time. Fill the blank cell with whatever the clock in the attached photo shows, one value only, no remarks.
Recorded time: 12:16
